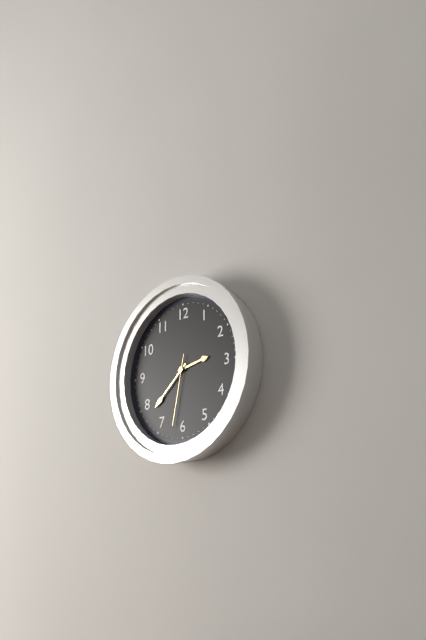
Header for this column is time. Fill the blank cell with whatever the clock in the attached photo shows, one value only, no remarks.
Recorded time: 2:38:32
